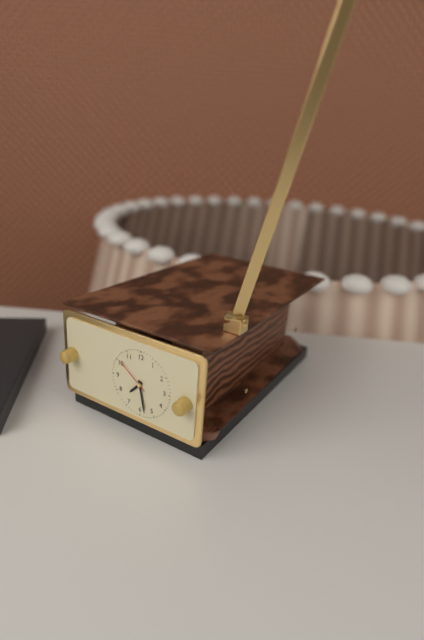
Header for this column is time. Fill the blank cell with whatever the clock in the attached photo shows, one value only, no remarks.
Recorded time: 7:28
